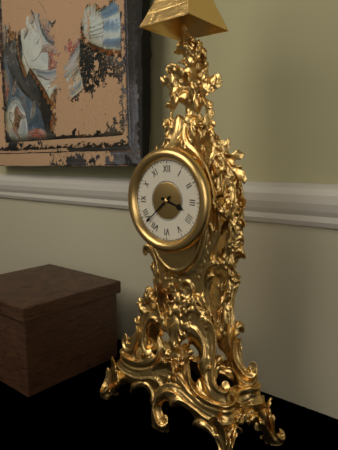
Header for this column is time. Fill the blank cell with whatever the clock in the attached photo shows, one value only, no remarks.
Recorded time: 3:38
